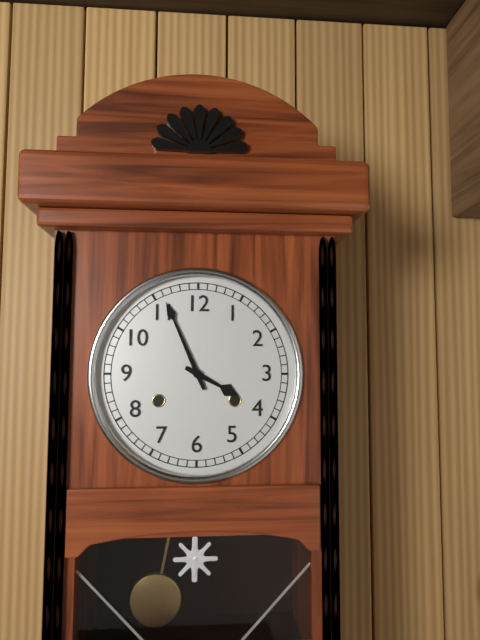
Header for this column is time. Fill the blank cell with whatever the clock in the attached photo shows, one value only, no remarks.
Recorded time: 3:56
